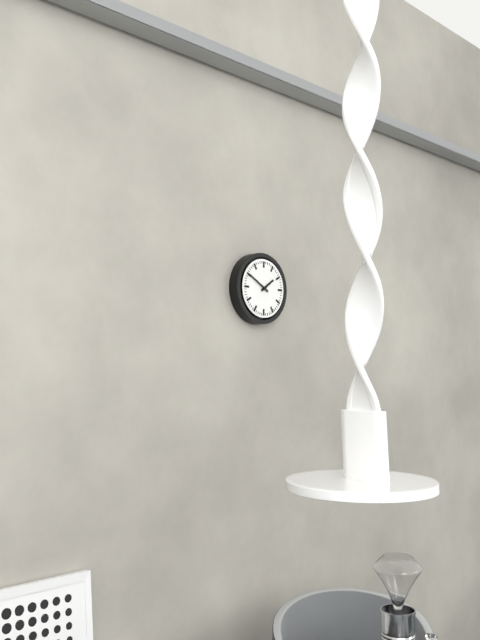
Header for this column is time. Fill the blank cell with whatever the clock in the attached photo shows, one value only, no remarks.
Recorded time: 1:50
